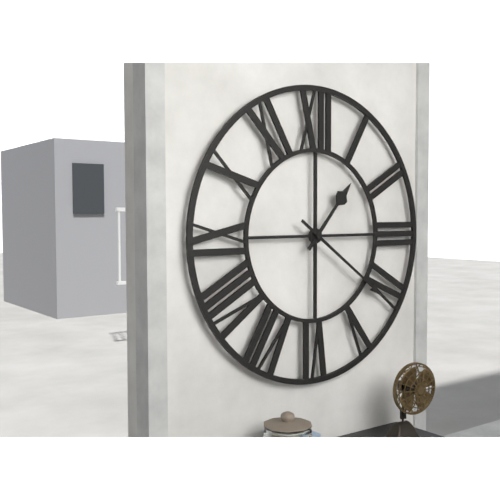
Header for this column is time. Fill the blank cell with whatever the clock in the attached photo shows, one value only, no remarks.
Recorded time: 1:21
